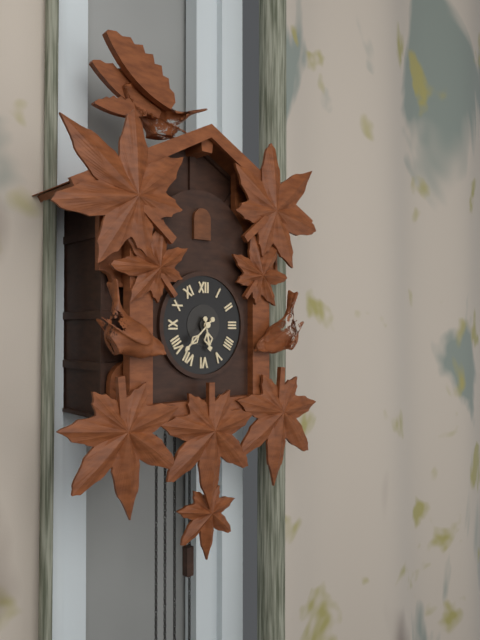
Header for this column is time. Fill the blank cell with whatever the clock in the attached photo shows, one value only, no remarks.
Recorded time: 5:38
